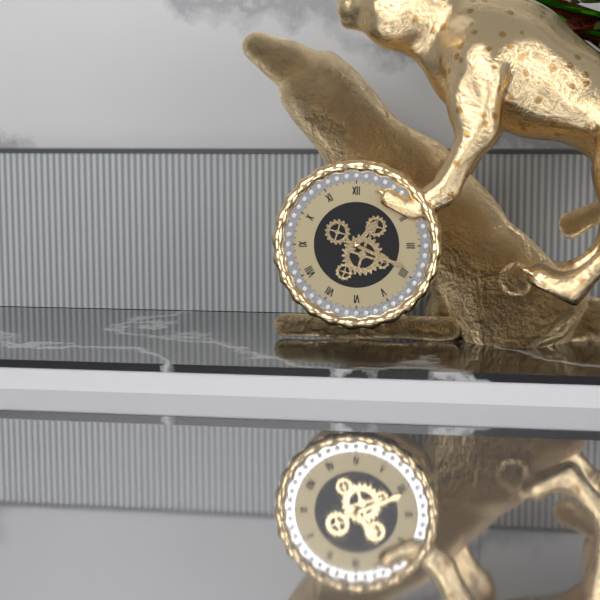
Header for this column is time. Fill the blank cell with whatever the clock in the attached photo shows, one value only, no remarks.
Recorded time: 1:19
